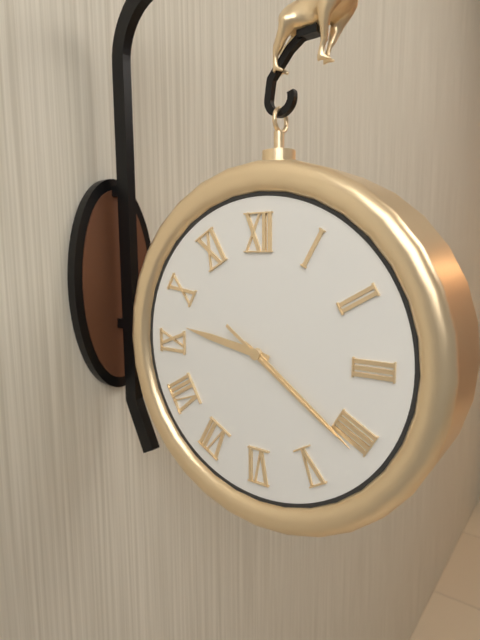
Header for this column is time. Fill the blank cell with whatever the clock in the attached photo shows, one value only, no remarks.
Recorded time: 9:21:21
